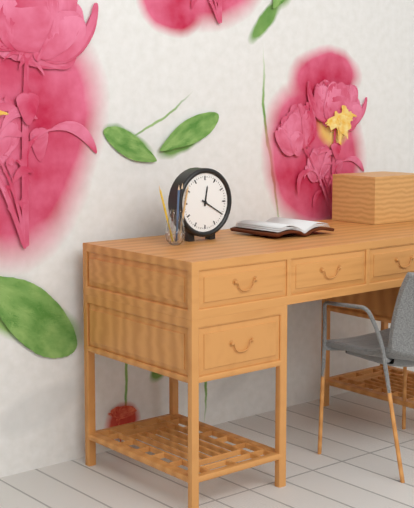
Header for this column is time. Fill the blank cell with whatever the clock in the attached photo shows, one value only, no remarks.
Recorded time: 12:20
